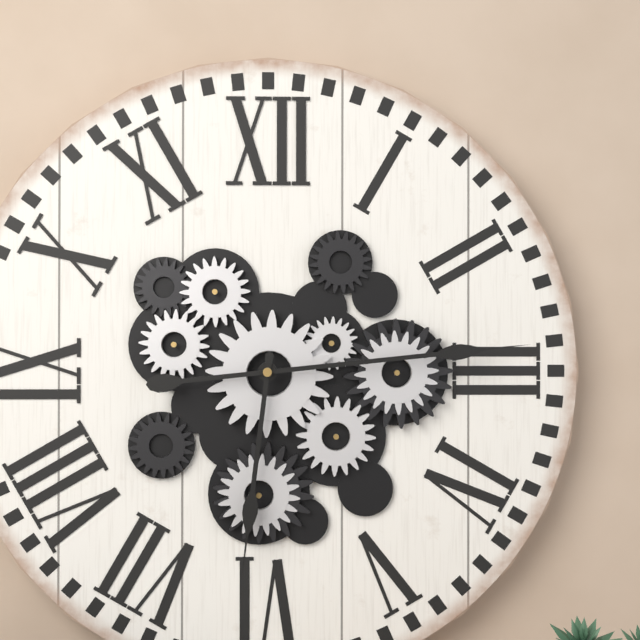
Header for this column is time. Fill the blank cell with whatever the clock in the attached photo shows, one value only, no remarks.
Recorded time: 6:14
